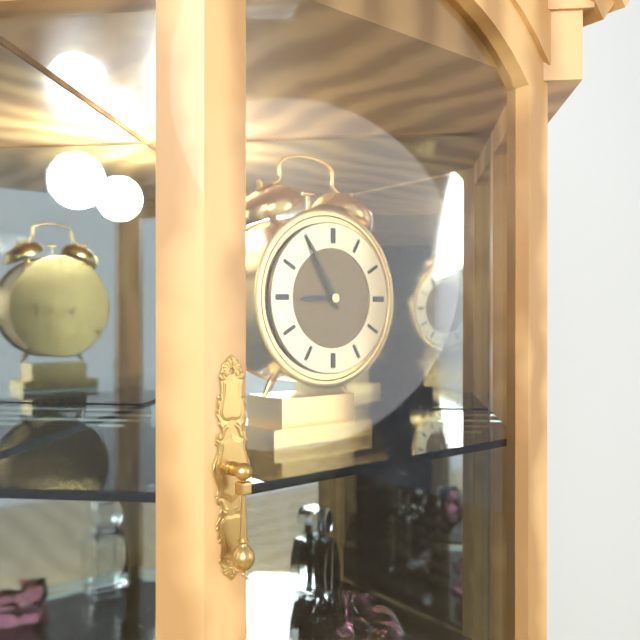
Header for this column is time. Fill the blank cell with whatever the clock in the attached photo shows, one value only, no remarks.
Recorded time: 8:55
